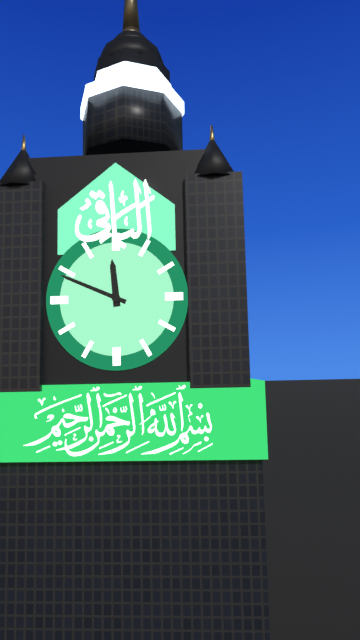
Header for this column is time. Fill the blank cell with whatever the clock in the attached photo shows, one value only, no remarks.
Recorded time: 11:49
